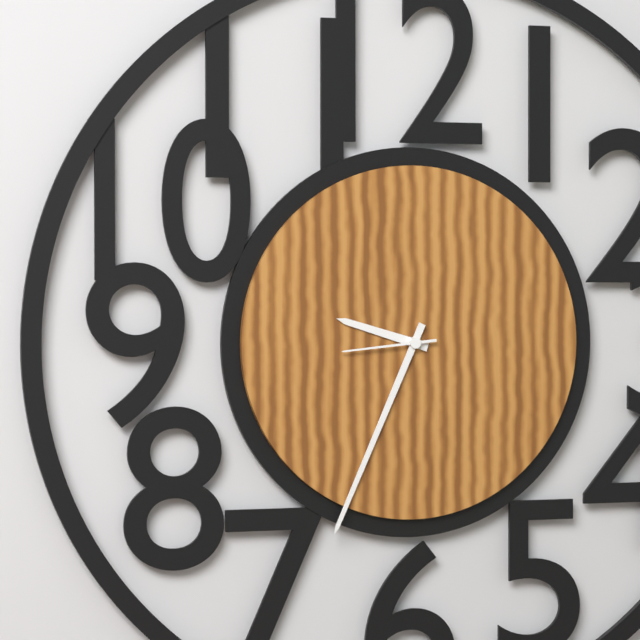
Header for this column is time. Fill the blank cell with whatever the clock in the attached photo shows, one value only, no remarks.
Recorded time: 9:34:44
